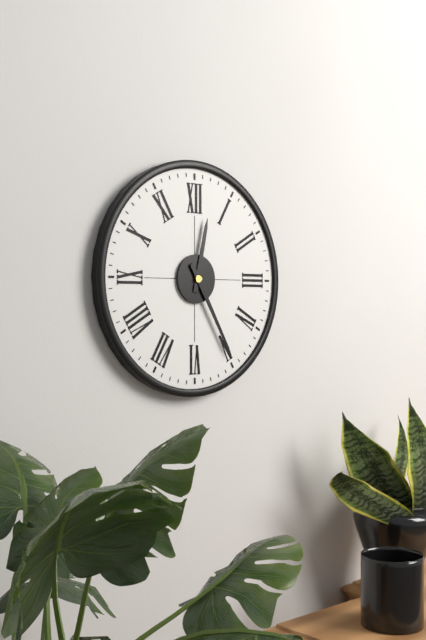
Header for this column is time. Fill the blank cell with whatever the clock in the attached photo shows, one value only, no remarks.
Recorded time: 12:25
